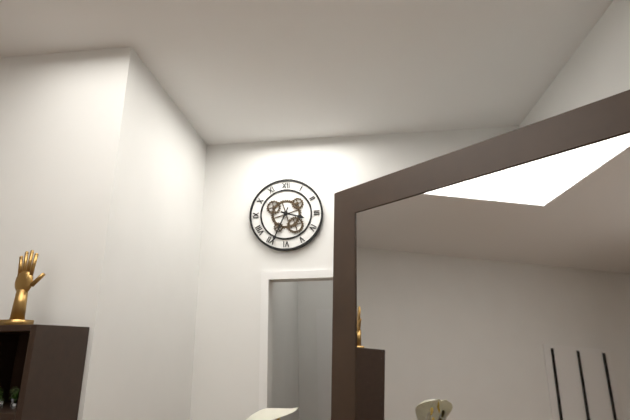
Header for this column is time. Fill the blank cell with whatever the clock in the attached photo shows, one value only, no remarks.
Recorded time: 3:34
